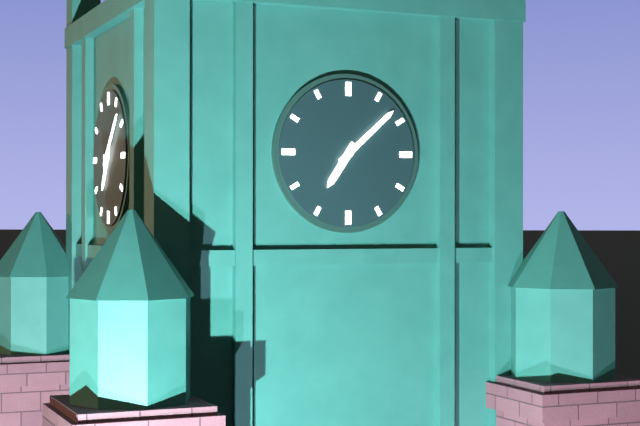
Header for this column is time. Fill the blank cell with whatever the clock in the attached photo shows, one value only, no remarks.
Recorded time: 7:08
